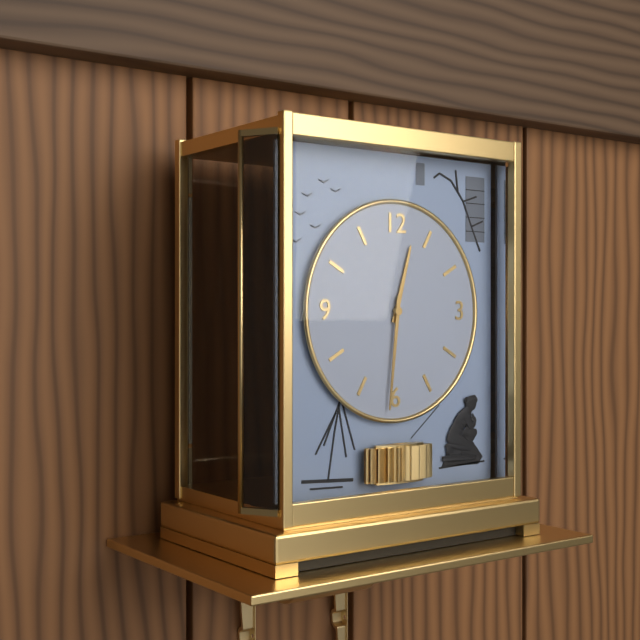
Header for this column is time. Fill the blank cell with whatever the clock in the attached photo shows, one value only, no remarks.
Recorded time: 12:31
